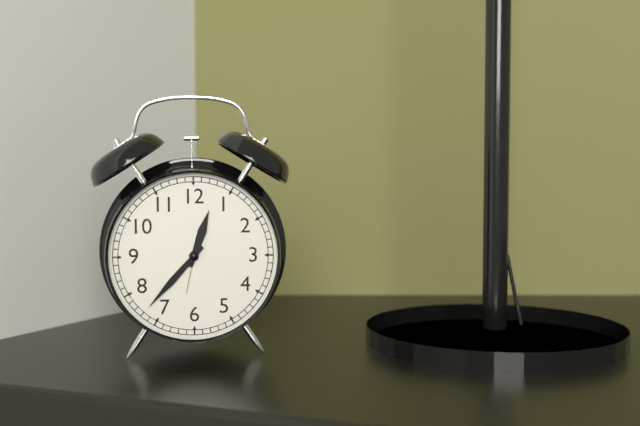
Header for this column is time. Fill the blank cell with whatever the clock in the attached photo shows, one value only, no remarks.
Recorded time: 12:37
